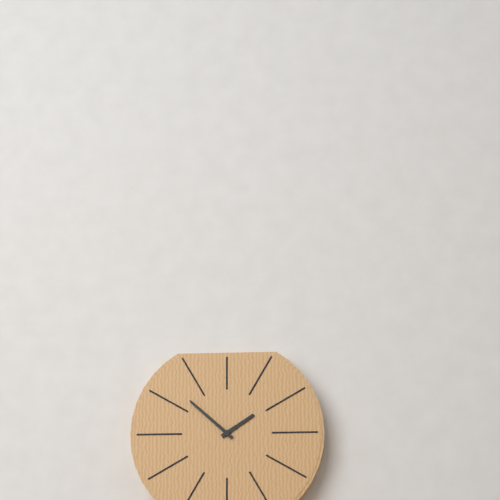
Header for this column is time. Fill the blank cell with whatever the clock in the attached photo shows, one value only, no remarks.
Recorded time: 1:52
